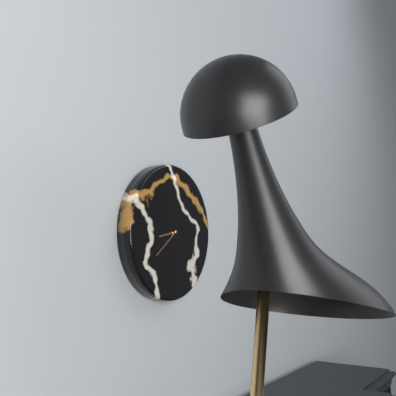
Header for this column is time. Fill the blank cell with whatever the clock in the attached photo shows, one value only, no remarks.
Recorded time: 8:39
